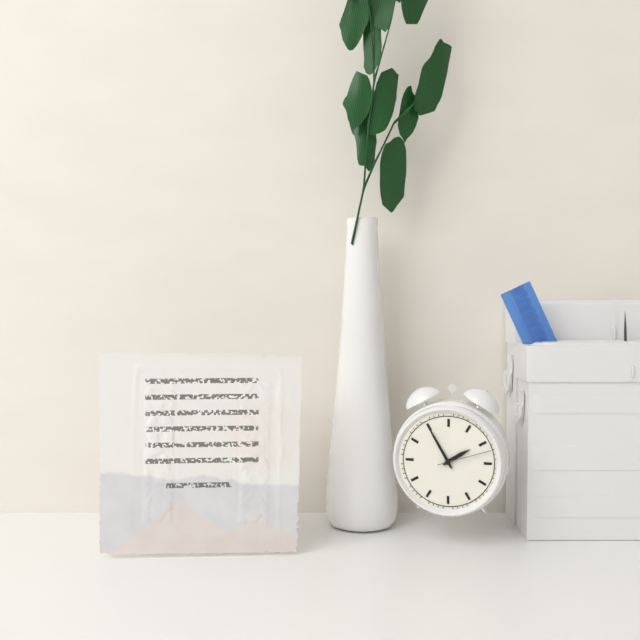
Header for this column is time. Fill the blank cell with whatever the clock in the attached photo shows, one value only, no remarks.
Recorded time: 1:55:12
